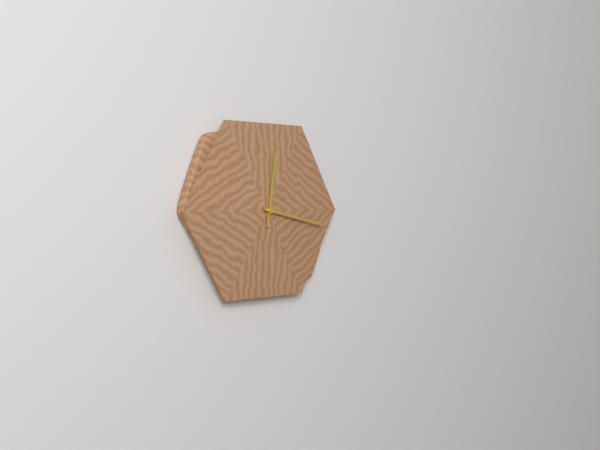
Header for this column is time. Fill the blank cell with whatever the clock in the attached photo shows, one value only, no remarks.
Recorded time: 12:17
